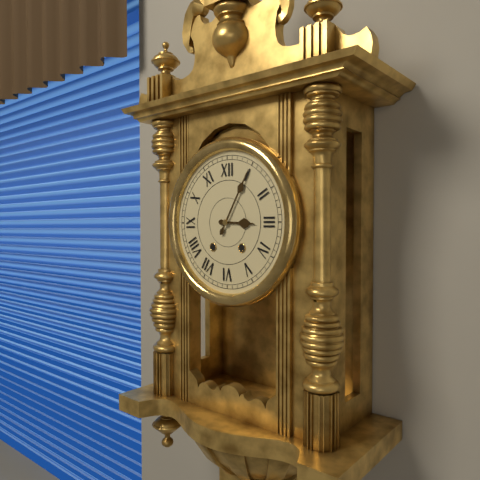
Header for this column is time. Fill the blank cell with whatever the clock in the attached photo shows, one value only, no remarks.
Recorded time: 3:05
